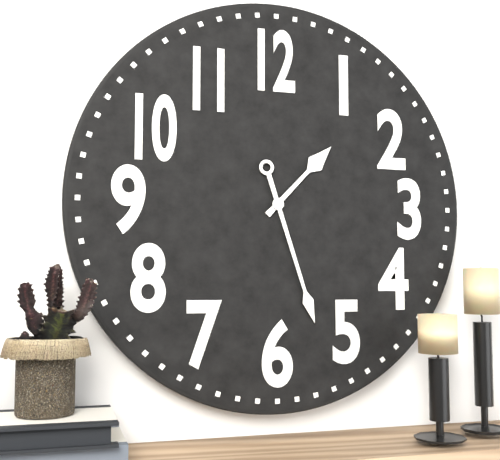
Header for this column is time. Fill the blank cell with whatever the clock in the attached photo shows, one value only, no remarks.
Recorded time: 1:27
